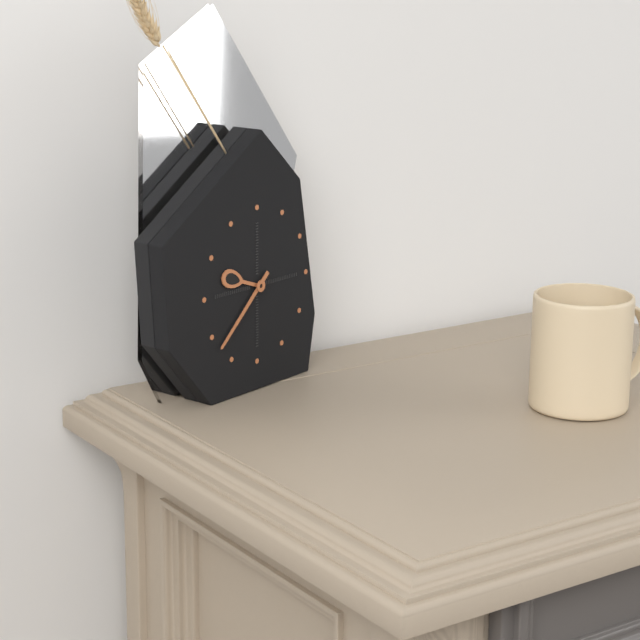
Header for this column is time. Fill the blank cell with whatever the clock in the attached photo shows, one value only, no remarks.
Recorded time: 9:38
